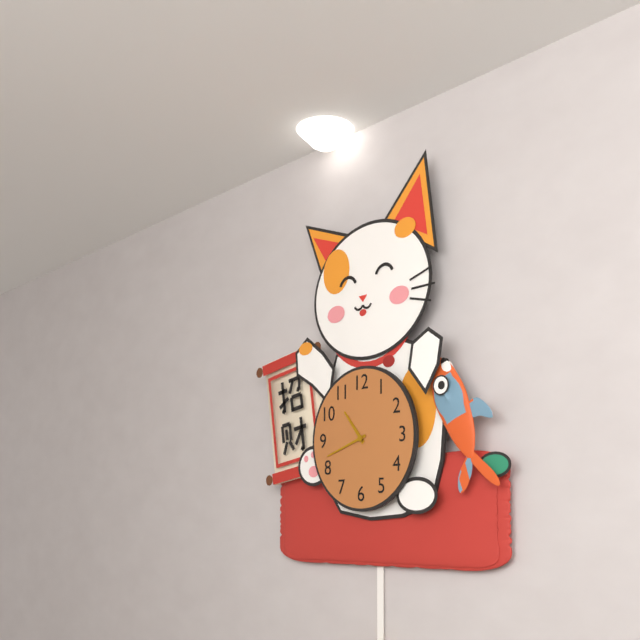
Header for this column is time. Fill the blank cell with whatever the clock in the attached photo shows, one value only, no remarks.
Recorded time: 10:42
